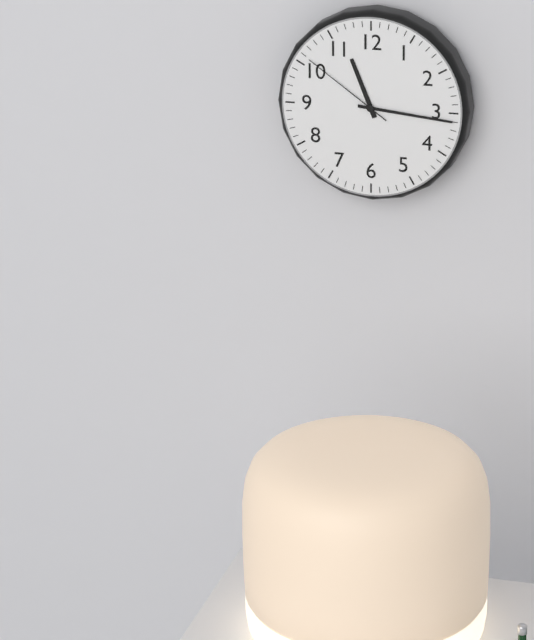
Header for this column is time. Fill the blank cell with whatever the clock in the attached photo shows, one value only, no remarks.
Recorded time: 11:16:51
